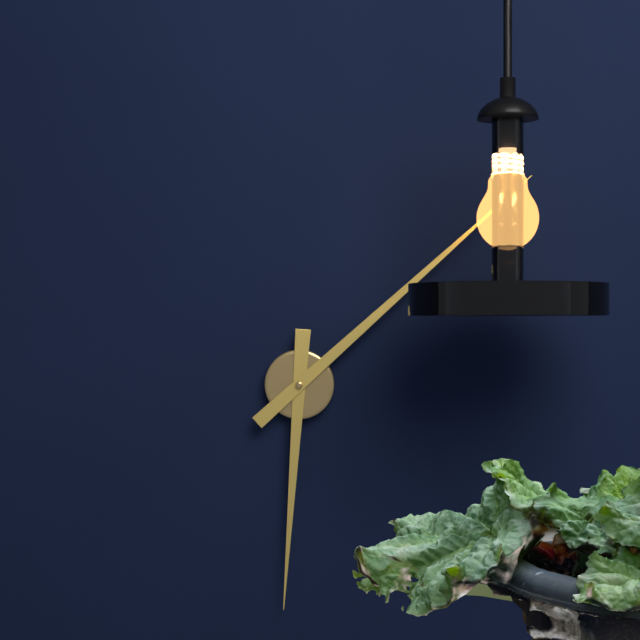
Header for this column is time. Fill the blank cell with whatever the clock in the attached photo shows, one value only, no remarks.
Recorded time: 6:08
